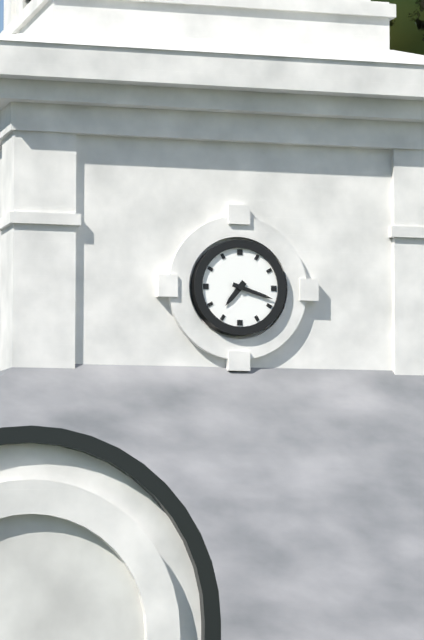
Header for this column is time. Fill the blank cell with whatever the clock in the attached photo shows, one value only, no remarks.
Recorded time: 7:18
